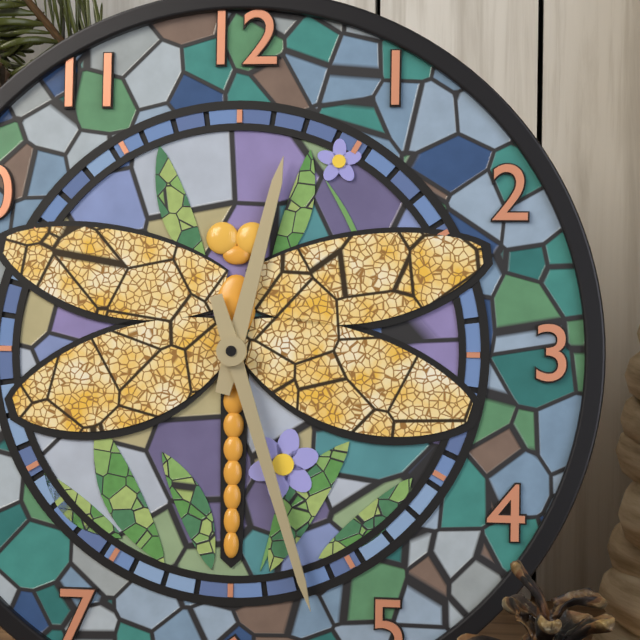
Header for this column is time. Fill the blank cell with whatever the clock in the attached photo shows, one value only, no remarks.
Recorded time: 12:27
